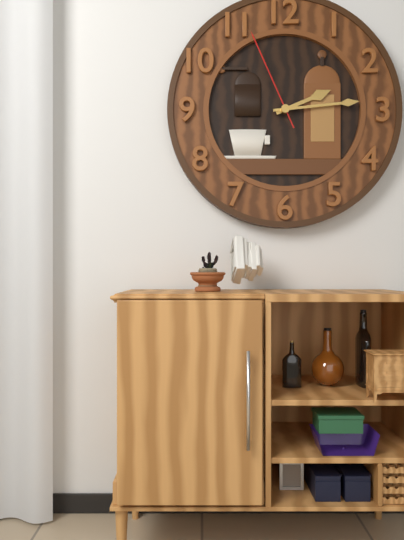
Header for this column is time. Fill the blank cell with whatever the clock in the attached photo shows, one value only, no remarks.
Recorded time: 2:14:56
